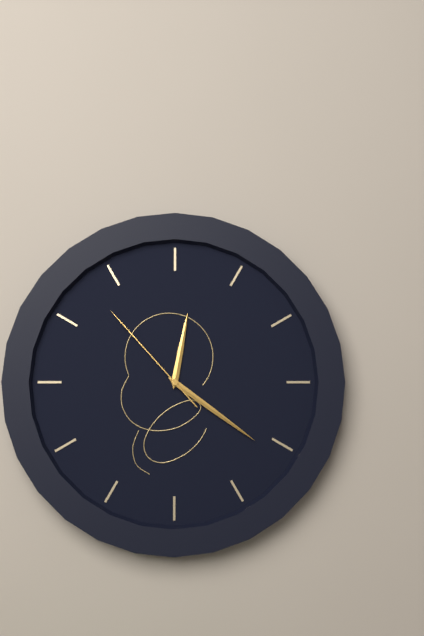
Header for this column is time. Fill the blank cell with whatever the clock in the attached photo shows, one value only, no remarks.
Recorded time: 12:21:53
